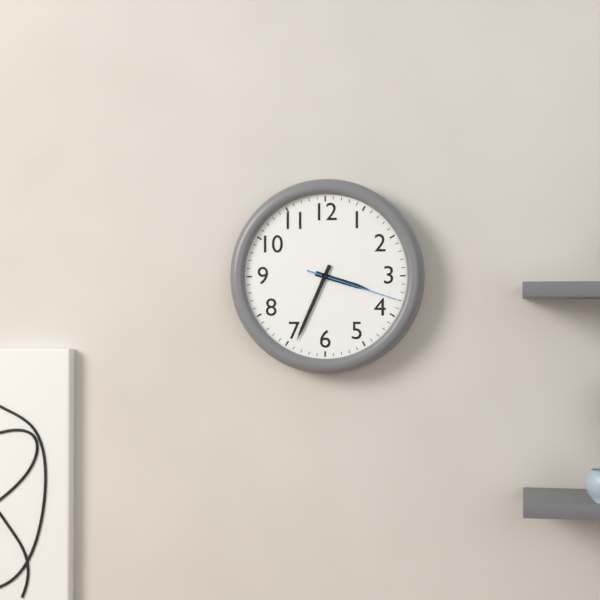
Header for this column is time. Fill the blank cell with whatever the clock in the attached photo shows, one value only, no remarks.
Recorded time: 3:34:18
